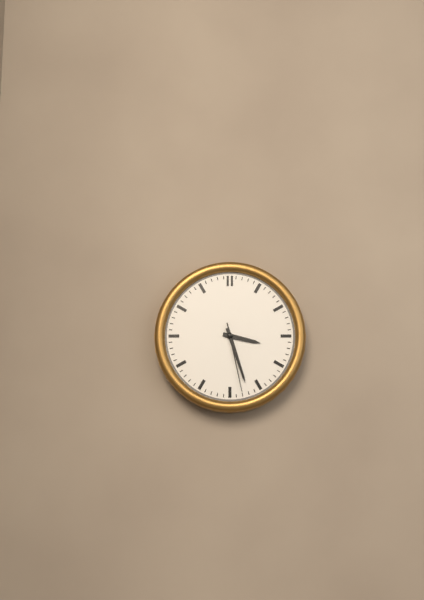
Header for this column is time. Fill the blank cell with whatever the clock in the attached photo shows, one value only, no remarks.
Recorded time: 3:27:28
